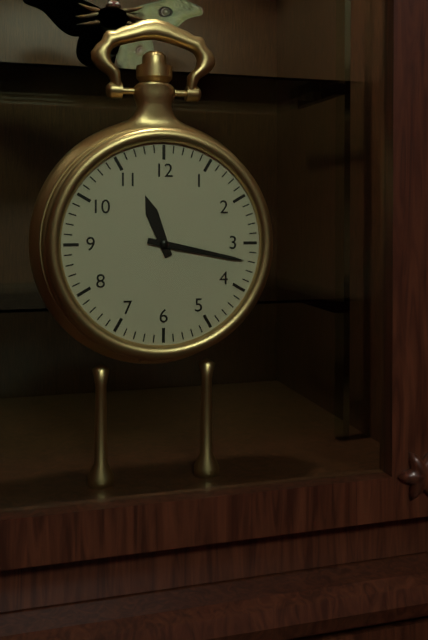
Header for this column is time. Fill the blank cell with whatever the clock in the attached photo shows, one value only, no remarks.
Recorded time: 11:17
